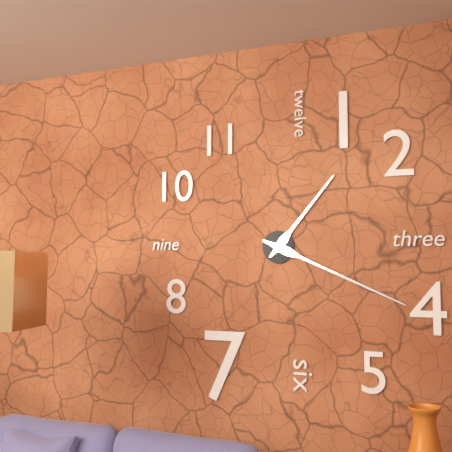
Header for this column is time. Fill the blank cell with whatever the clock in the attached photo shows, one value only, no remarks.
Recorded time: 1:19
